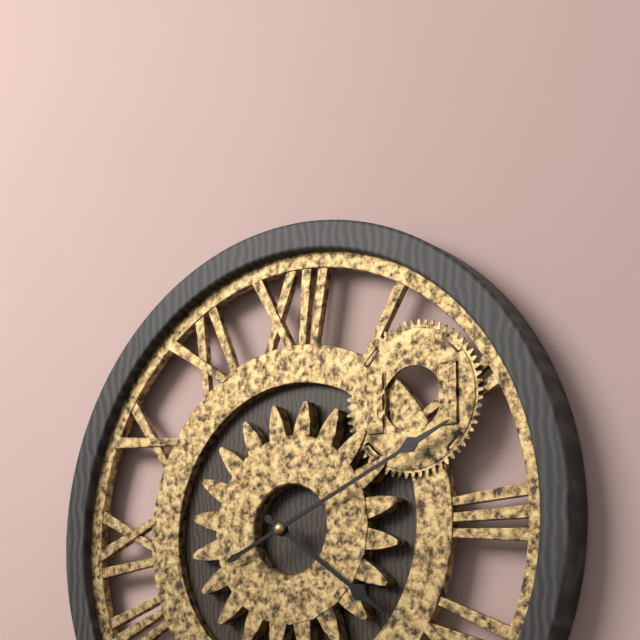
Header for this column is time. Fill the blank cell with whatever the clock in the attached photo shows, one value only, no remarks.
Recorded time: 4:11
